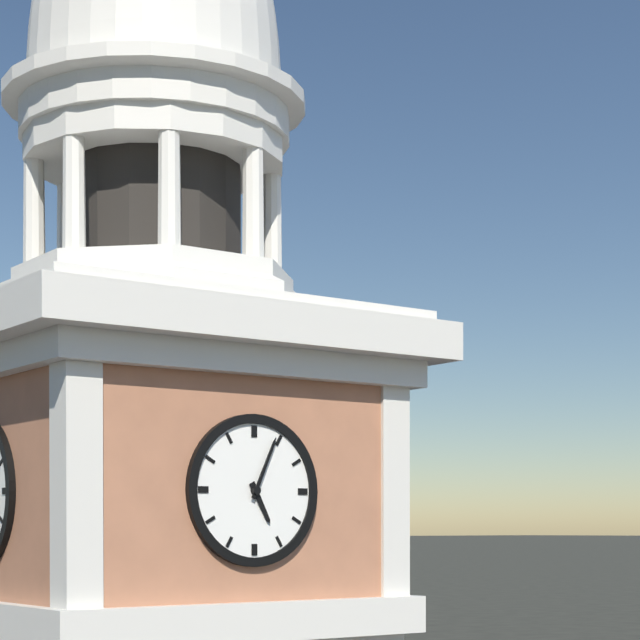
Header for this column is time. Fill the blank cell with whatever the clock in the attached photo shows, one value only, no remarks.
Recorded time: 5:04
